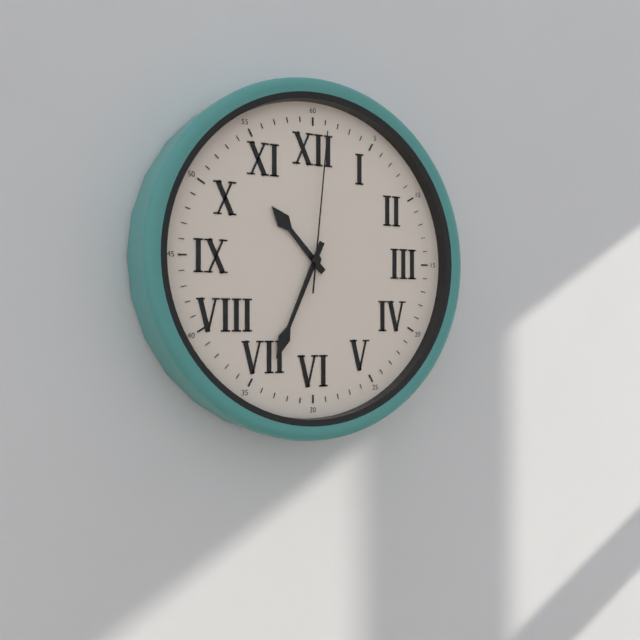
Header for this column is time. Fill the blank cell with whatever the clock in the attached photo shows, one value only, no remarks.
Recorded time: 10:34:01
